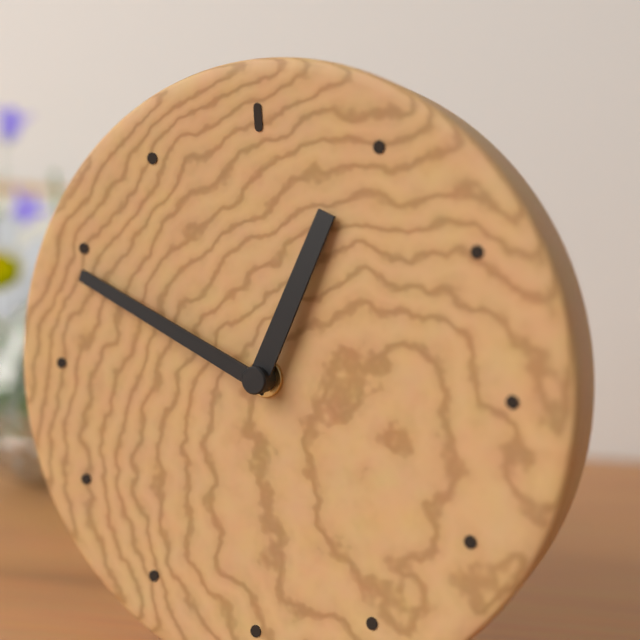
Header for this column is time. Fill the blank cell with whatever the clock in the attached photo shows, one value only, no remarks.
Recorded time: 12:49
